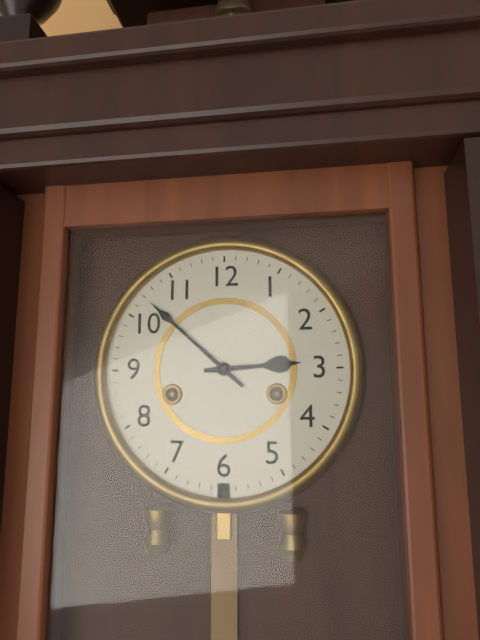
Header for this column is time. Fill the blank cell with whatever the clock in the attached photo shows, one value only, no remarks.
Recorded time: 2:52
